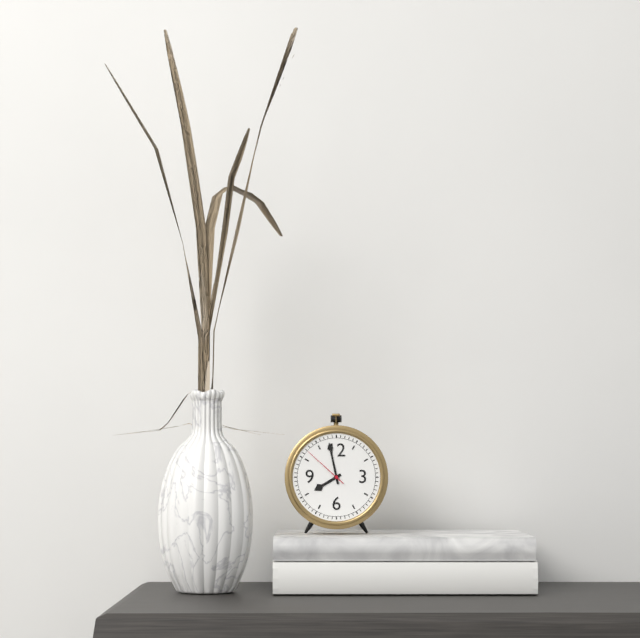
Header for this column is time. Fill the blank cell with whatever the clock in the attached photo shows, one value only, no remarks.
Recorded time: 7:58
